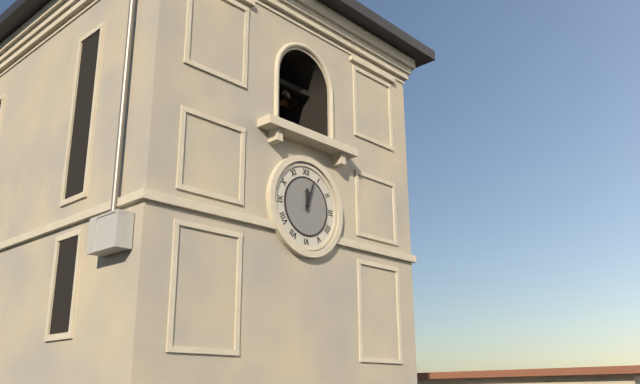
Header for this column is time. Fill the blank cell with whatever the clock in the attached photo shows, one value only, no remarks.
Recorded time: 12:03
